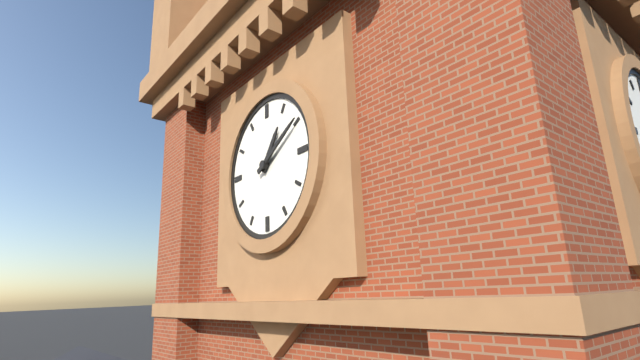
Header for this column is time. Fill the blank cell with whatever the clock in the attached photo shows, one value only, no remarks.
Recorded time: 1:10
